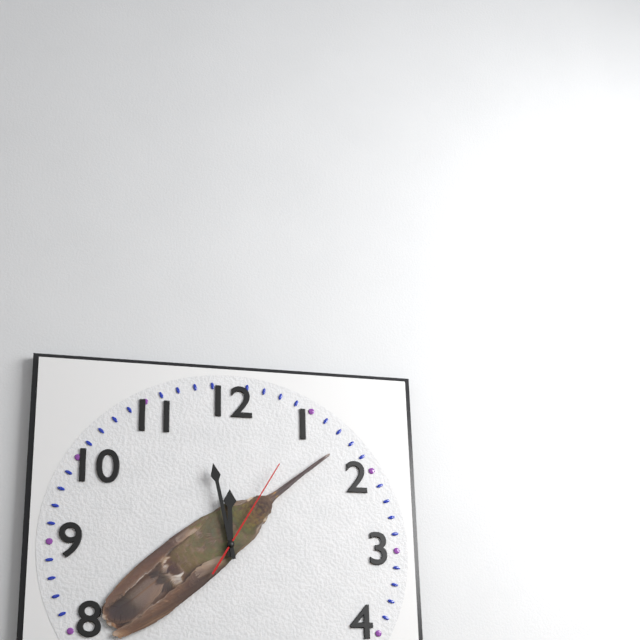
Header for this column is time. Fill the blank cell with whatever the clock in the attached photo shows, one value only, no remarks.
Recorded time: 11:58:05
